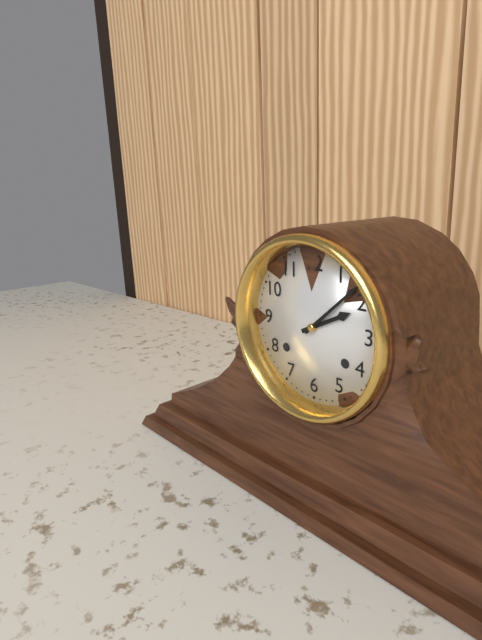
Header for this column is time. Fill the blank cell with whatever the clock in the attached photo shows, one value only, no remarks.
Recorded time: 2:08
